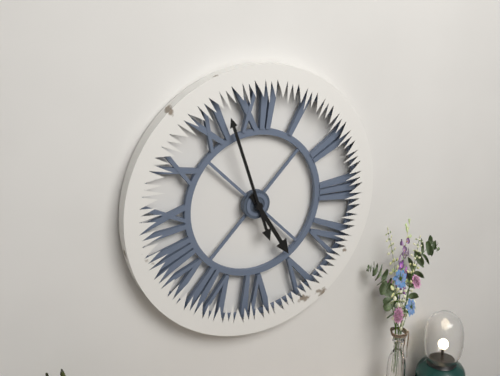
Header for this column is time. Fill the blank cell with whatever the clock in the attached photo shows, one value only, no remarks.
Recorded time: 4:57
